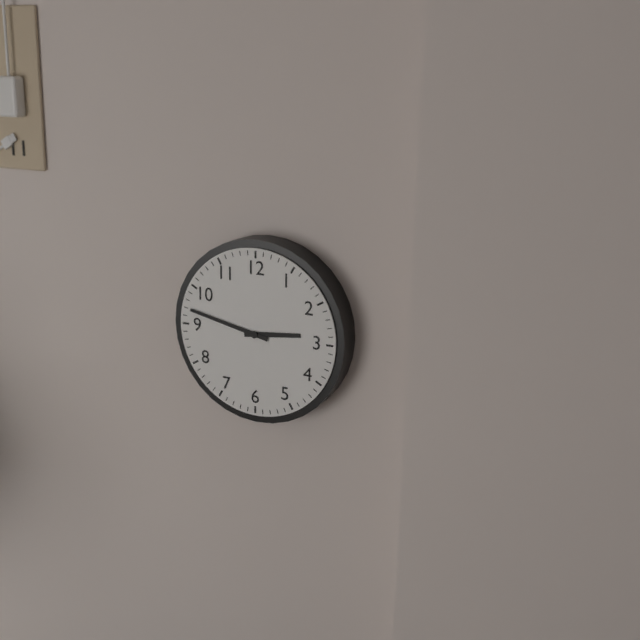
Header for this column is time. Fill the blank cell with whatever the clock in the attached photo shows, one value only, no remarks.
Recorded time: 2:47
